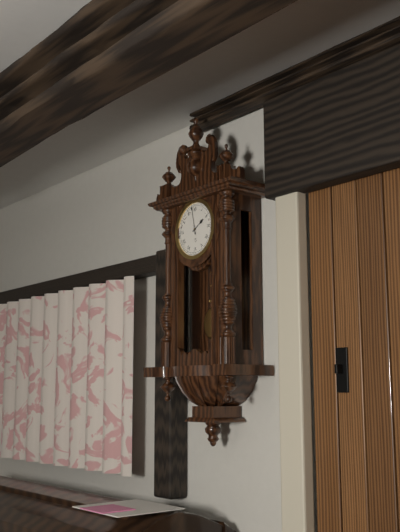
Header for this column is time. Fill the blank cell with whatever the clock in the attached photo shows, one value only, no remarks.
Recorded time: 1:58
